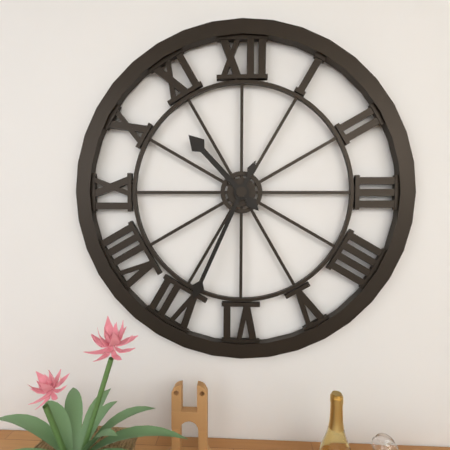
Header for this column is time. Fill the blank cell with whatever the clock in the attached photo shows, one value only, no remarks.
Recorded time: 10:34
